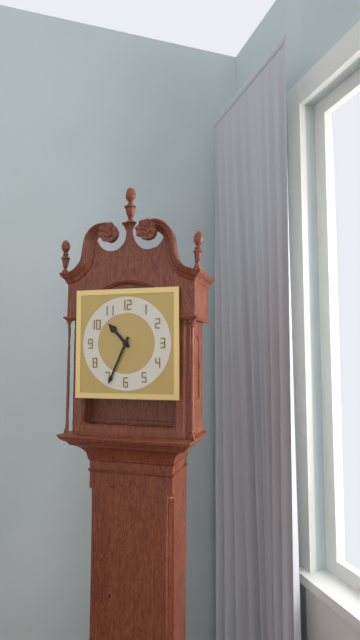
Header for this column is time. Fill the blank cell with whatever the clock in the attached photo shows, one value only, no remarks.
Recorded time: 10:34
